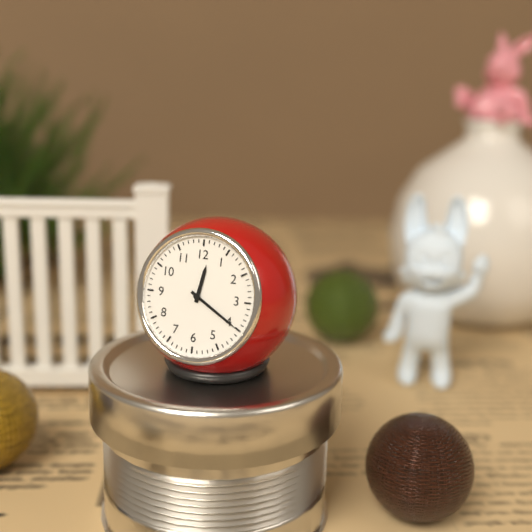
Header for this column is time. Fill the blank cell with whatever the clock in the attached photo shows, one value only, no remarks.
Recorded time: 12:20
